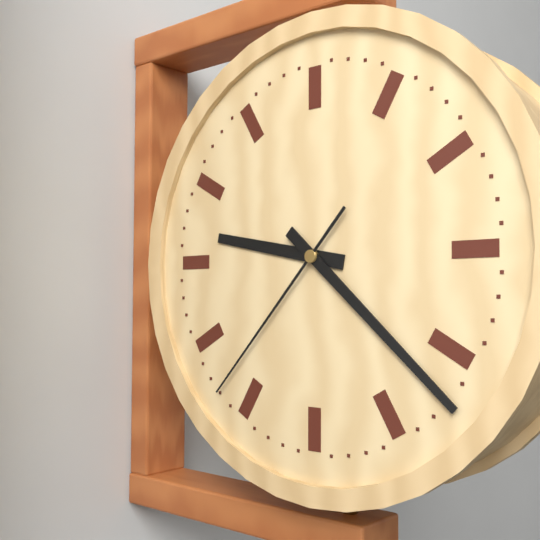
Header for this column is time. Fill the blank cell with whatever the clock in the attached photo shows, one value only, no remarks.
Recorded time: 9:22:37
